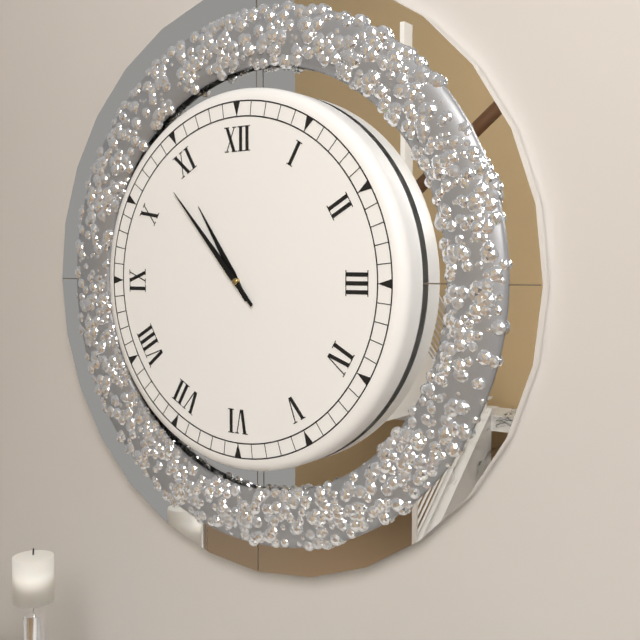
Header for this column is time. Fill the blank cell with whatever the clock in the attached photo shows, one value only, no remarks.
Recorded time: 10:53
